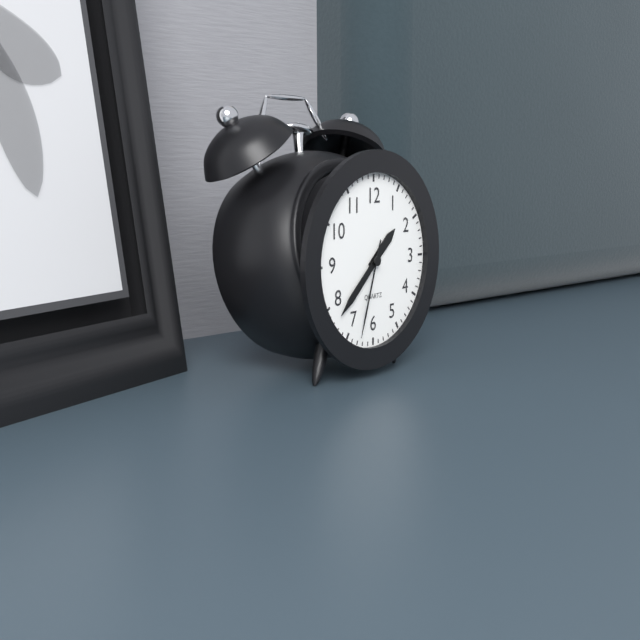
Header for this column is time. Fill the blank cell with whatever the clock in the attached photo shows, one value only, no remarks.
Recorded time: 1:38:33
